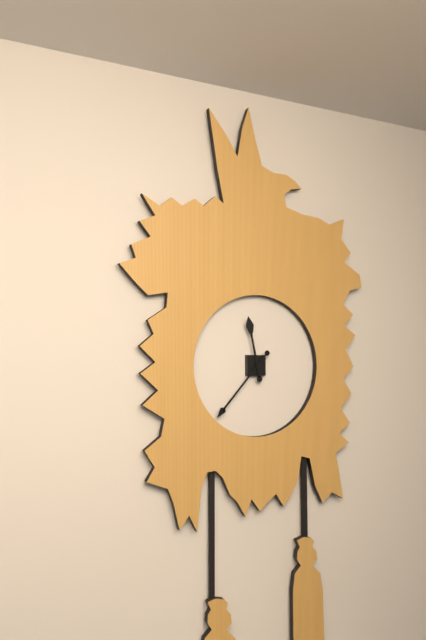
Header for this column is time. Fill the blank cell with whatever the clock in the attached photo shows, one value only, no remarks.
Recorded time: 11:37
